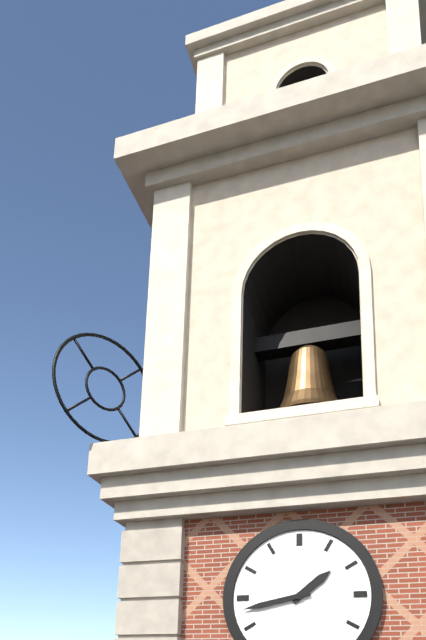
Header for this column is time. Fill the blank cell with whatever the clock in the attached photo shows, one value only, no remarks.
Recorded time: 1:43
